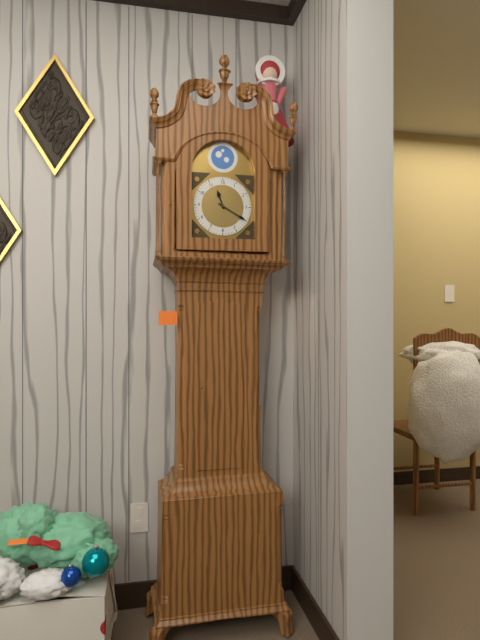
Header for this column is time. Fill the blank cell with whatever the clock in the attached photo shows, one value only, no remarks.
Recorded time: 11:20
